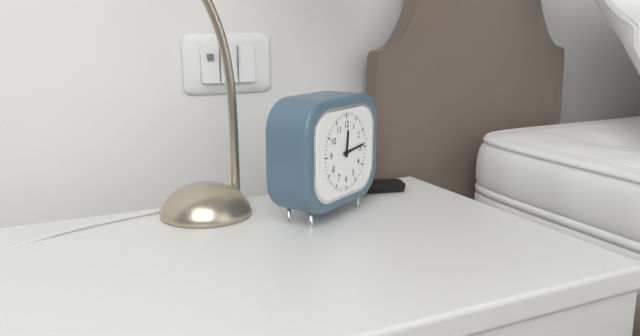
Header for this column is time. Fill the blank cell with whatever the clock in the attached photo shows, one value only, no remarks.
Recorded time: 12:14
